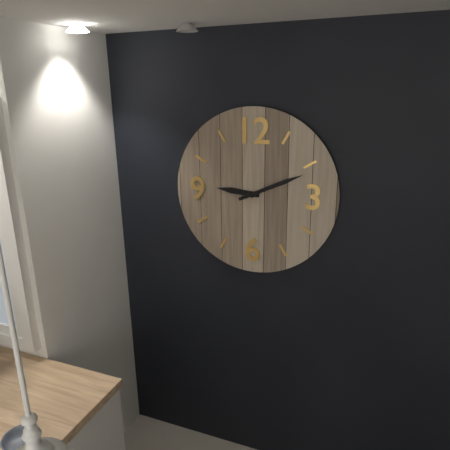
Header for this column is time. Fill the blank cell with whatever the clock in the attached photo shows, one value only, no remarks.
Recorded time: 9:11
